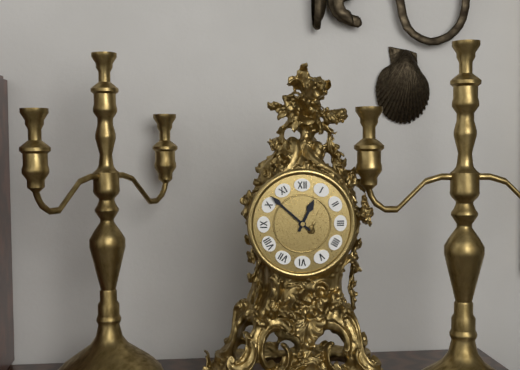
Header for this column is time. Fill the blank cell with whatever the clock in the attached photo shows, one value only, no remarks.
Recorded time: 12:52
